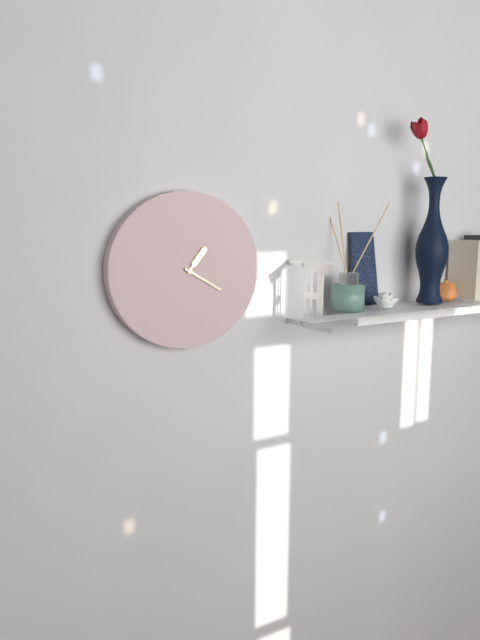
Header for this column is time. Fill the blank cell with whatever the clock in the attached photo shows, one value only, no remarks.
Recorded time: 1:20
